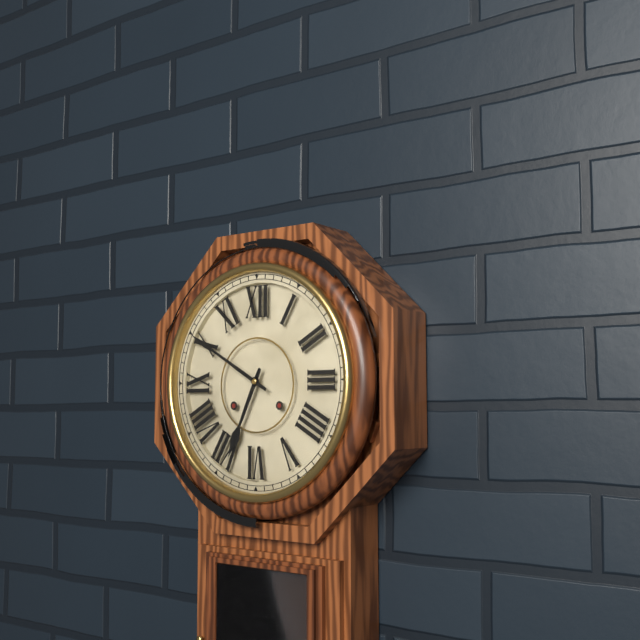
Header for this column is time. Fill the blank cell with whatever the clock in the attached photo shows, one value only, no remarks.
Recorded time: 6:50
